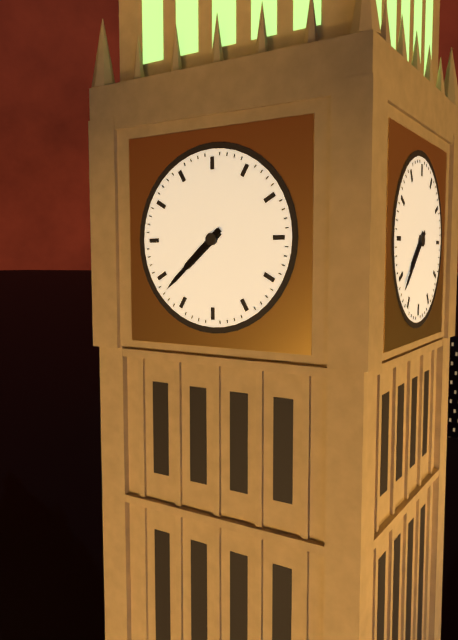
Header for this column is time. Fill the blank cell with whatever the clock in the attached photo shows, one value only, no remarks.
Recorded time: 7:38
